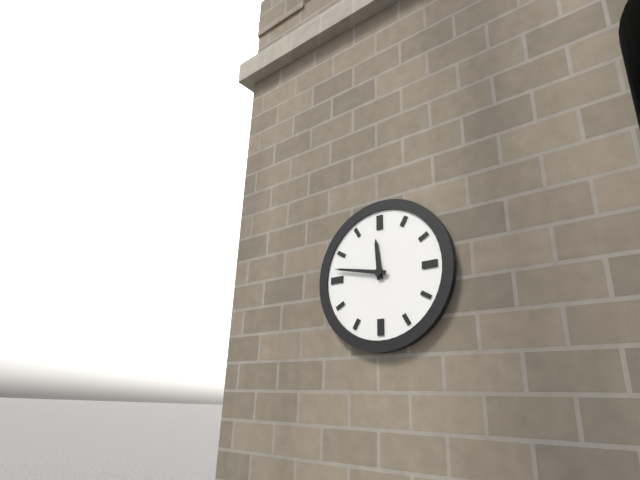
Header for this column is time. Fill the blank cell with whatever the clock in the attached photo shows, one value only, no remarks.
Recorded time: 11:47
